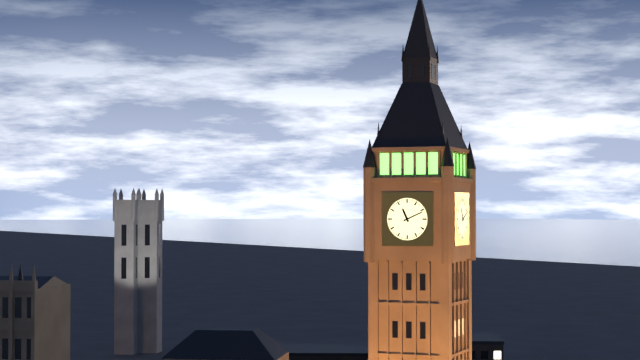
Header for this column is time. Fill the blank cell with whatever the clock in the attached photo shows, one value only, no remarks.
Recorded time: 11:11
